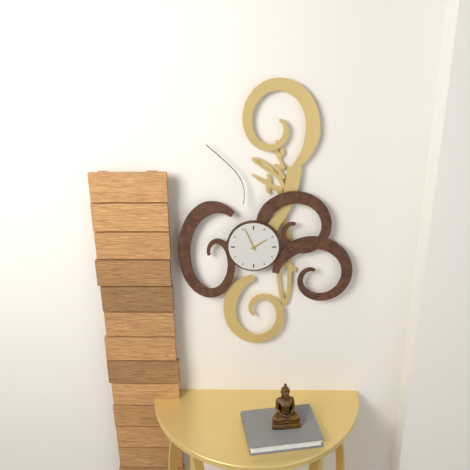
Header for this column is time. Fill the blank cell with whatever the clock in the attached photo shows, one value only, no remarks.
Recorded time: 1:56
